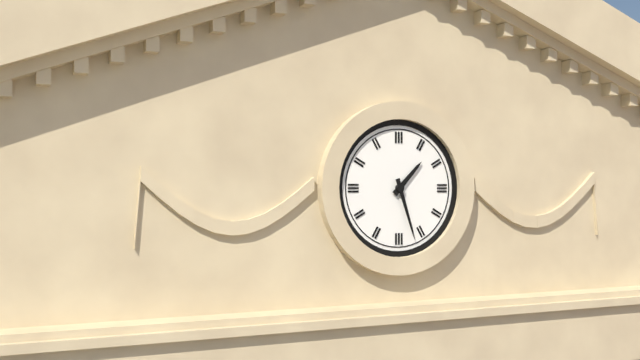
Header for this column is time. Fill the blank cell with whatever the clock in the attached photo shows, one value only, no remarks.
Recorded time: 1:27
